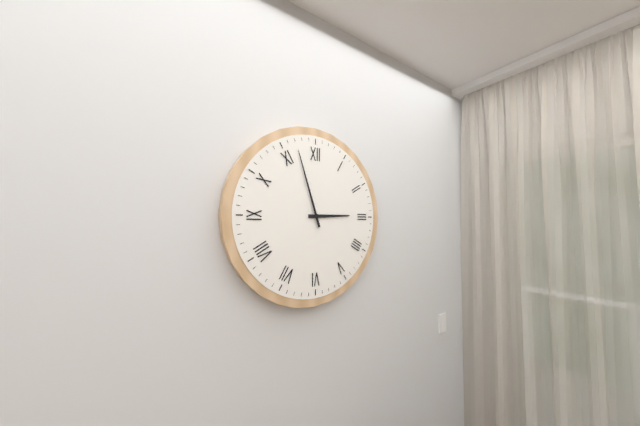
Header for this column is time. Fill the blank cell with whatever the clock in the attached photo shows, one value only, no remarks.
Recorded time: 2:57
